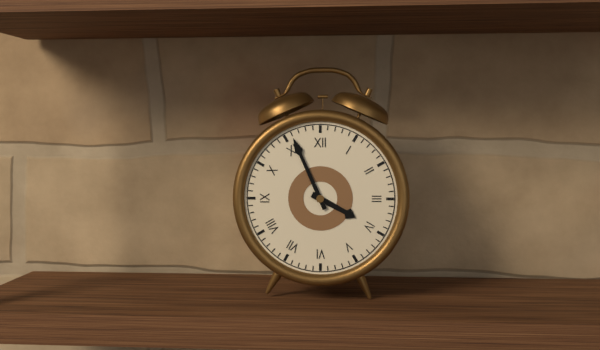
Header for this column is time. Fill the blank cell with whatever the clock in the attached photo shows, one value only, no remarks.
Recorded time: 3:56
